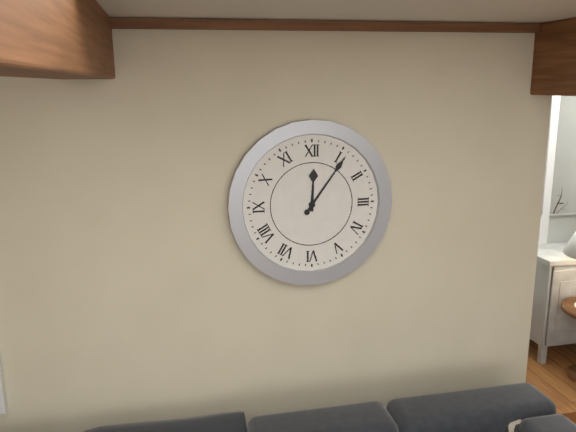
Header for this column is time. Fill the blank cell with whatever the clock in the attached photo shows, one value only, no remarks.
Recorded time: 12:06
